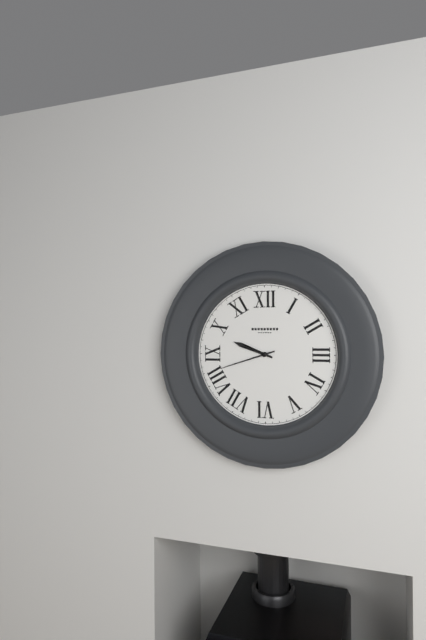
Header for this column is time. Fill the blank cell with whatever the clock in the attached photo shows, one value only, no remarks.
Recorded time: 9:42
